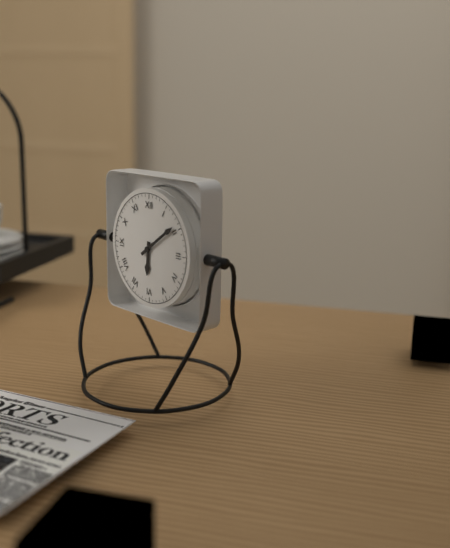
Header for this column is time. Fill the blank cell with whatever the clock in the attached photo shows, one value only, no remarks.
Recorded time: 6:09
